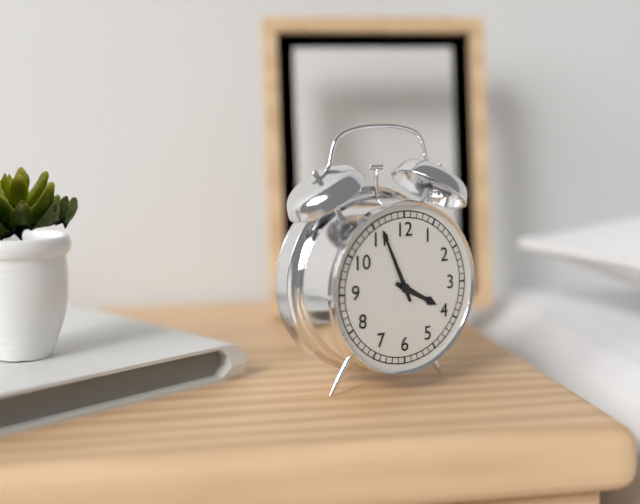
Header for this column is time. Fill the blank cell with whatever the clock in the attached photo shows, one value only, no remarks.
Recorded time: 3:56
